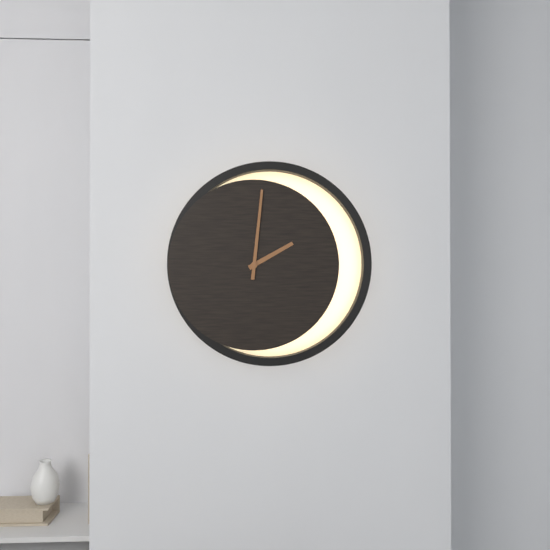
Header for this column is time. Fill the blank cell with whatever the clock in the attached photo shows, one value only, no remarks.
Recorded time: 2:01
